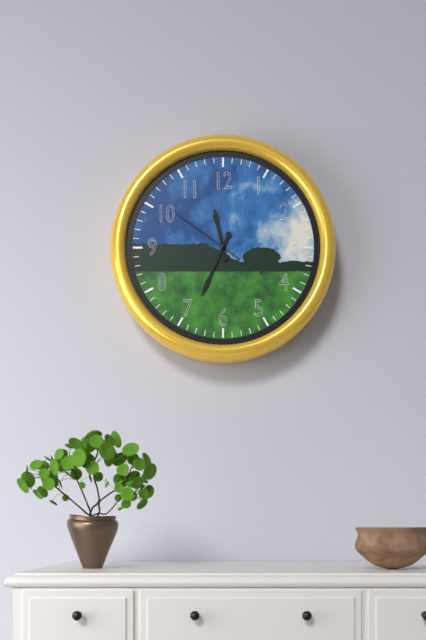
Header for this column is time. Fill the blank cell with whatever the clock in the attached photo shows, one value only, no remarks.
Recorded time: 11:34:51
